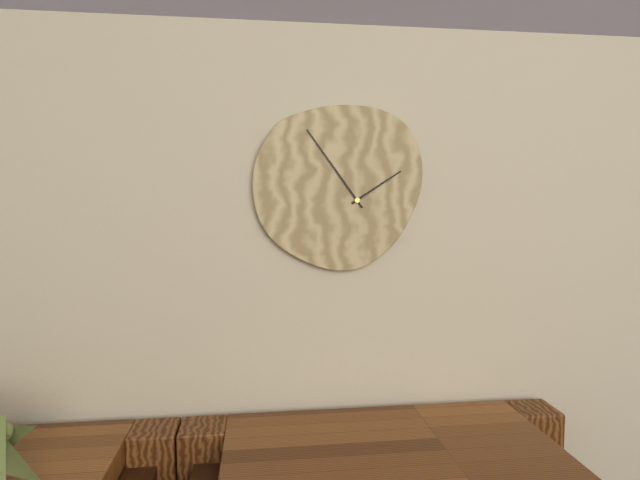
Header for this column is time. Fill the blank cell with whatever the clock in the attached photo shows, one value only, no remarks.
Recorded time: 1:54
